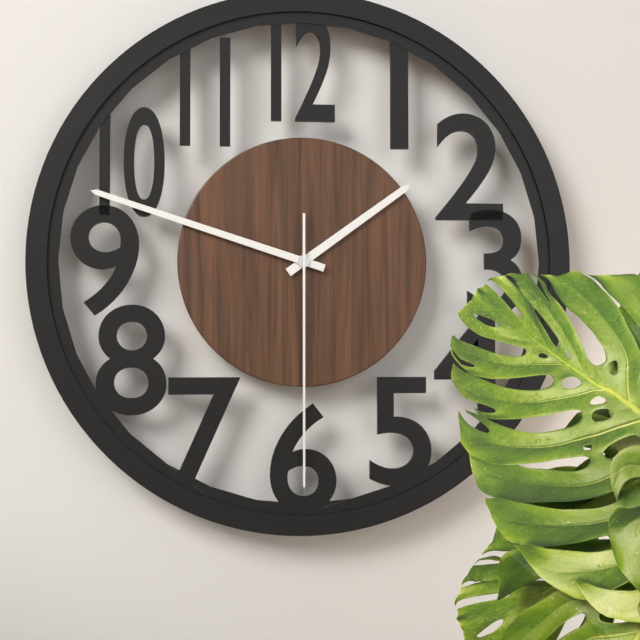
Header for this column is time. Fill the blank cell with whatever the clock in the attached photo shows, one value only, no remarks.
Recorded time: 1:48:30
